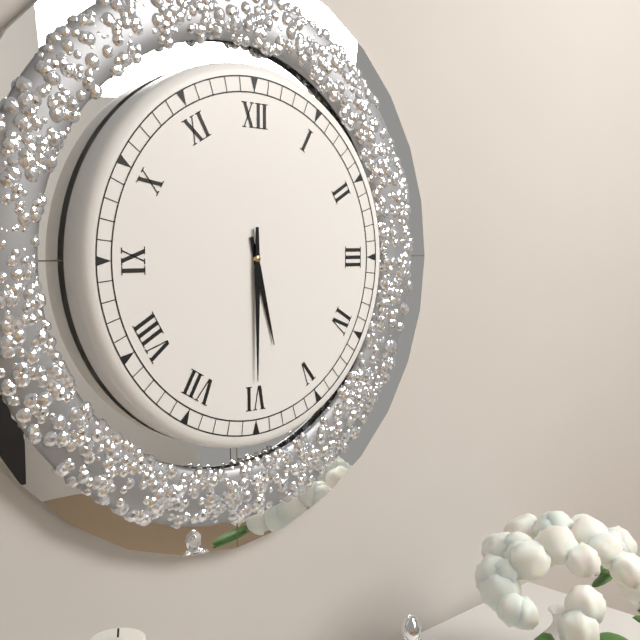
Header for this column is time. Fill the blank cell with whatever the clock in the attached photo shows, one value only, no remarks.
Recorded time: 5:30
